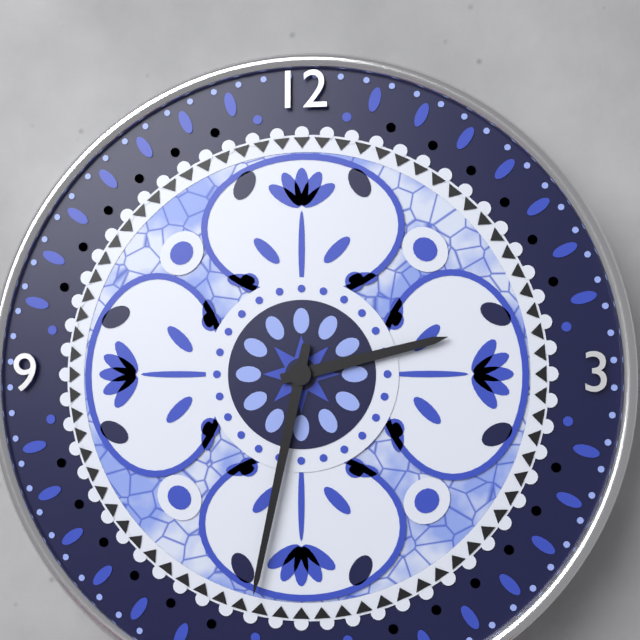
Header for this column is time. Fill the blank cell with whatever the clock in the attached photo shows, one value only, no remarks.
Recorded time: 2:32
